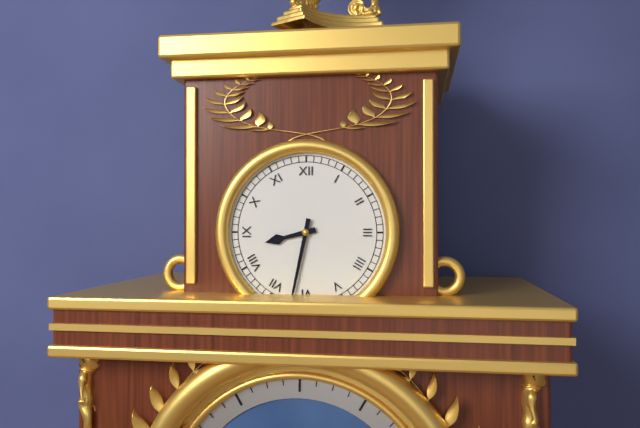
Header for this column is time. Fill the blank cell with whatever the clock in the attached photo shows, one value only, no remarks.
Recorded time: 8:32
